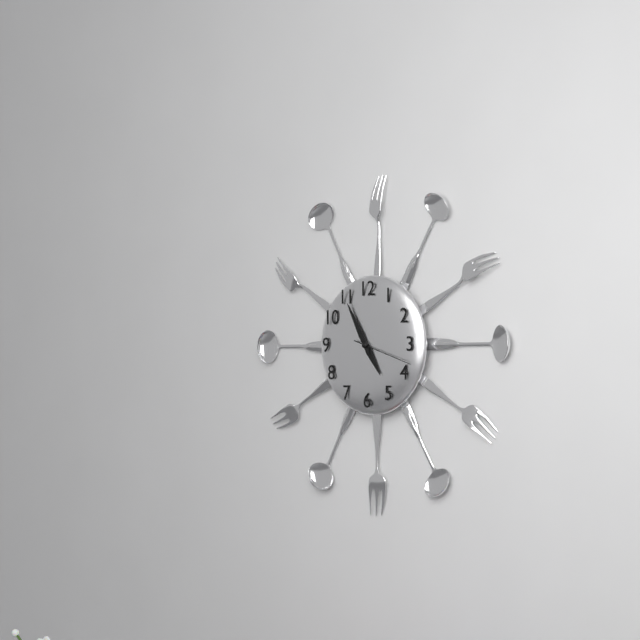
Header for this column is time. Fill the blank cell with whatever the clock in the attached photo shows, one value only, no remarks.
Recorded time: 4:55:18
